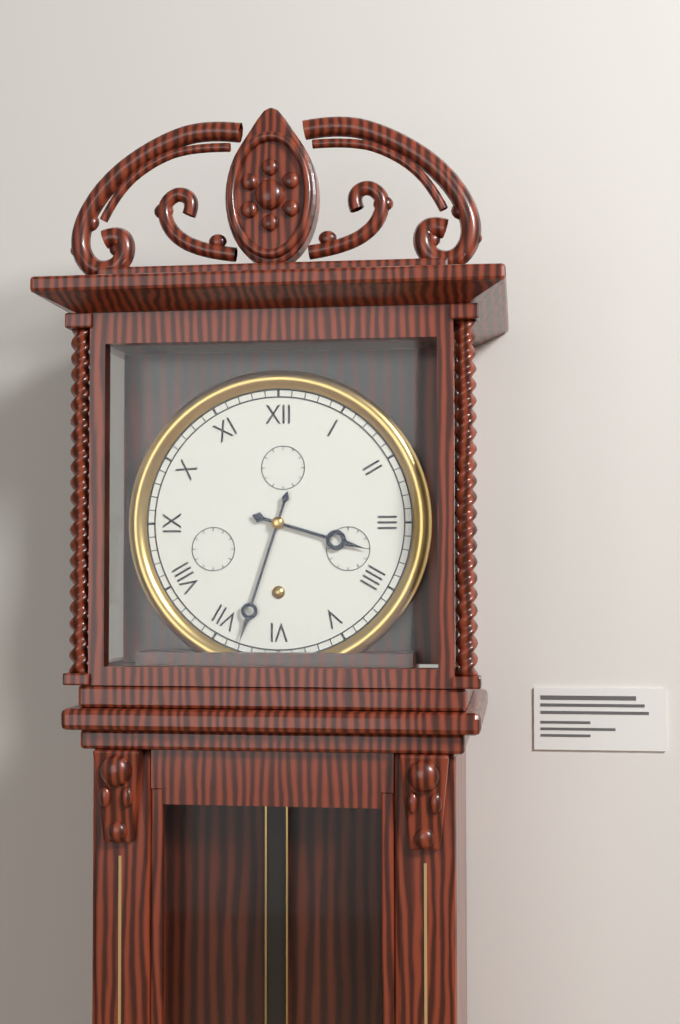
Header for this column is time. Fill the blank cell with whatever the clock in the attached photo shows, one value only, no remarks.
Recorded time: 3:33
